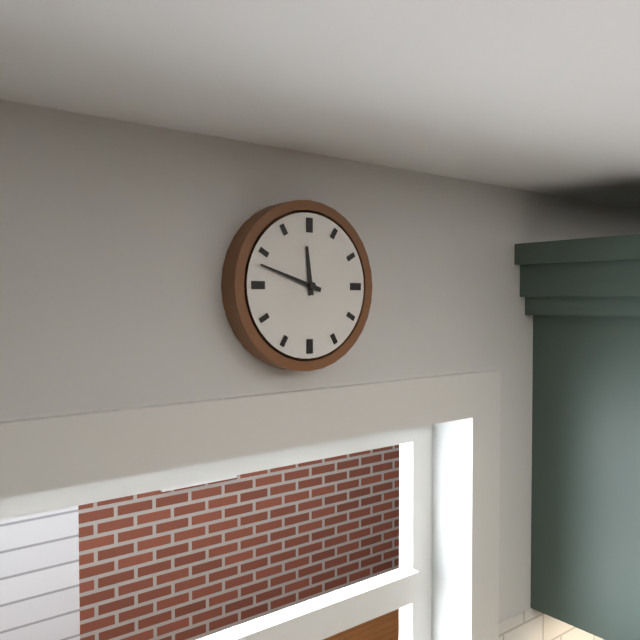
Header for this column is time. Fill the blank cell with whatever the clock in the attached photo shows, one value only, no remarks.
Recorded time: 11:48
